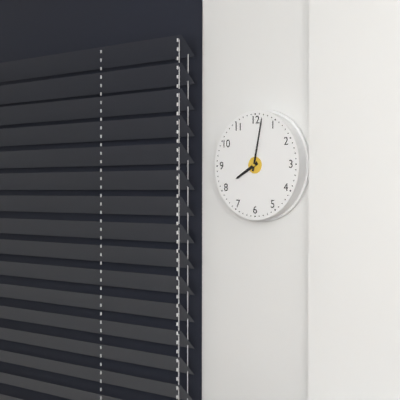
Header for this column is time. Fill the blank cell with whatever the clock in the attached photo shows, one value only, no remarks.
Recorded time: 8:02
